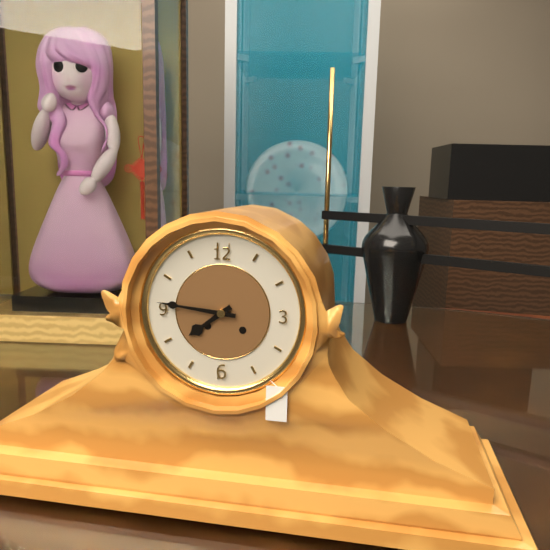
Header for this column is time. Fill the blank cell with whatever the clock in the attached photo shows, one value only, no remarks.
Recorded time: 7:46
